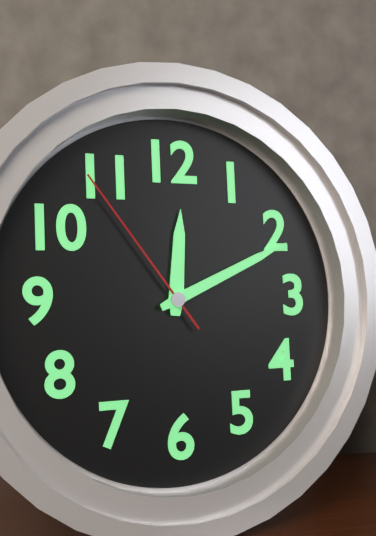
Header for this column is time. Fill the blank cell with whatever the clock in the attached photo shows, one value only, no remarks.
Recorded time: 12:11:54
